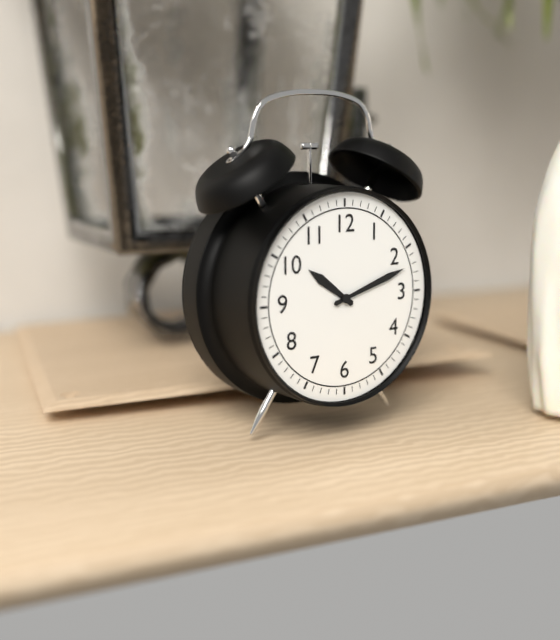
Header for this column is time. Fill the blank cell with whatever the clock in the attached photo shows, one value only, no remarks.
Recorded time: 10:12
